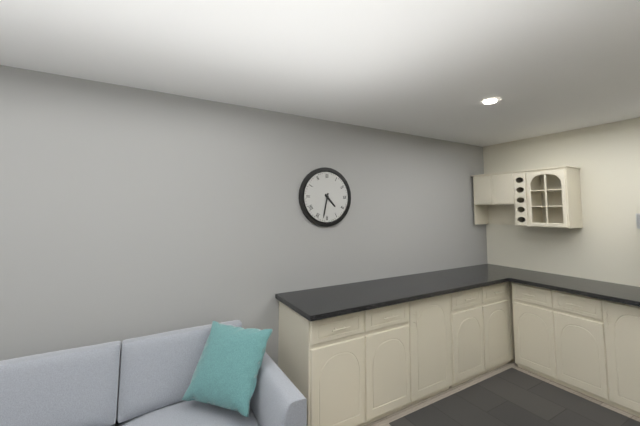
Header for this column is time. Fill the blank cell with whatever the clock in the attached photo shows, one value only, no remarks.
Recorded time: 4:32
